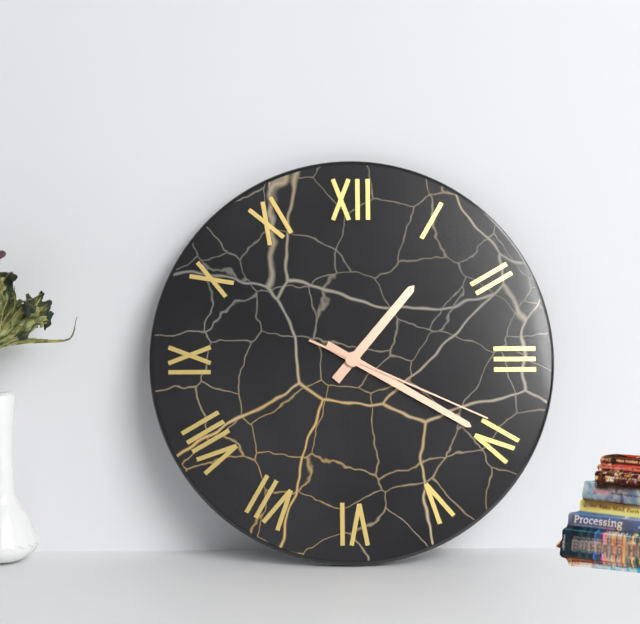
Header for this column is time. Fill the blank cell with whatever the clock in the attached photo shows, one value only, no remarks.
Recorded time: 1:20:19
